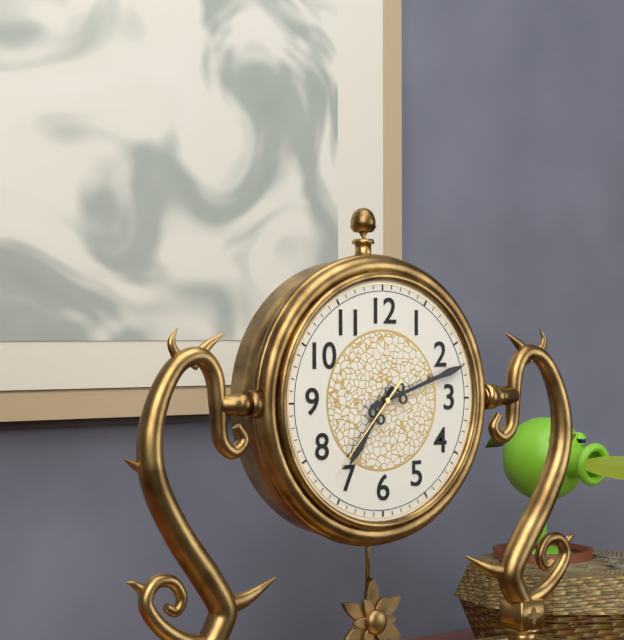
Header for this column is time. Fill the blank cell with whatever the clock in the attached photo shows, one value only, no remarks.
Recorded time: 7:12:37
